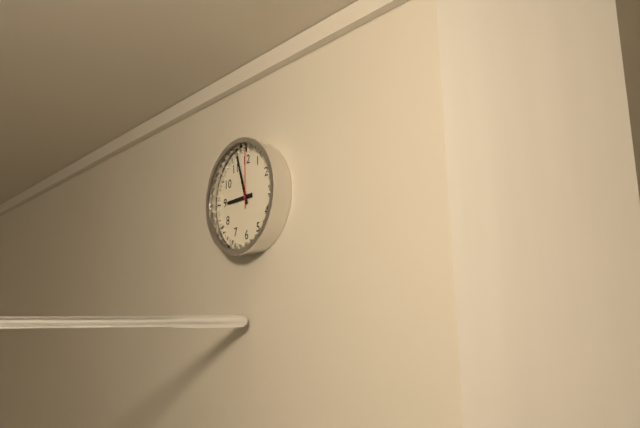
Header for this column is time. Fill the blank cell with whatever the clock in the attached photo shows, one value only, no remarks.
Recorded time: 8:57:00
